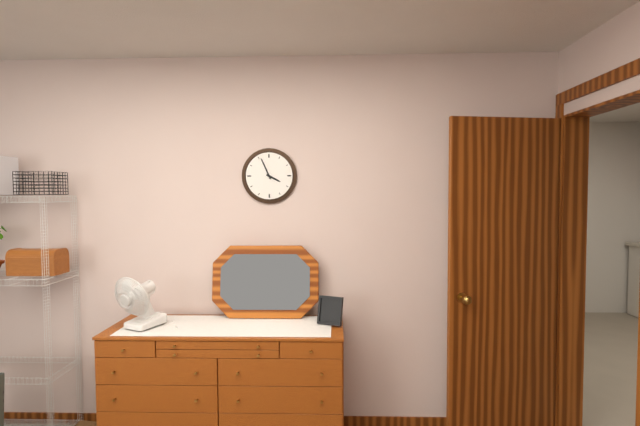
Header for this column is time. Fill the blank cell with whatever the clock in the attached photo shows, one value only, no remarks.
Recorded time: 3:56
